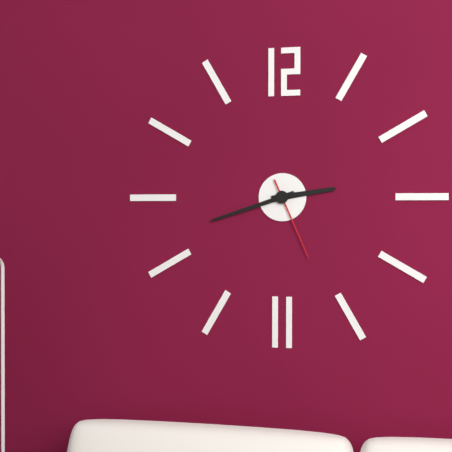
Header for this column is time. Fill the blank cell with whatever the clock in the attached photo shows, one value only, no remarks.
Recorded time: 2:42:26
